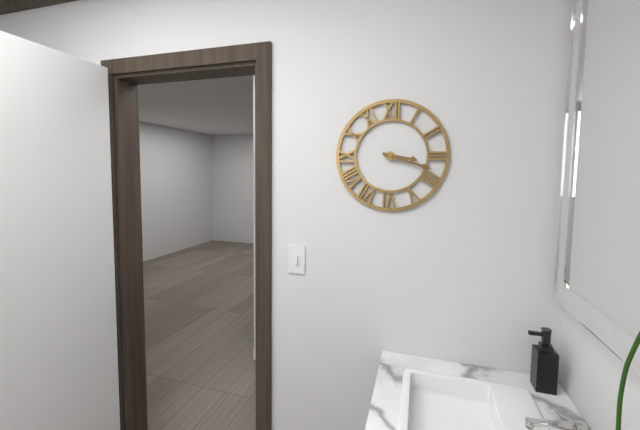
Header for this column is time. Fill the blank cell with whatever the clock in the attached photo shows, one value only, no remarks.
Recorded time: 3:18
